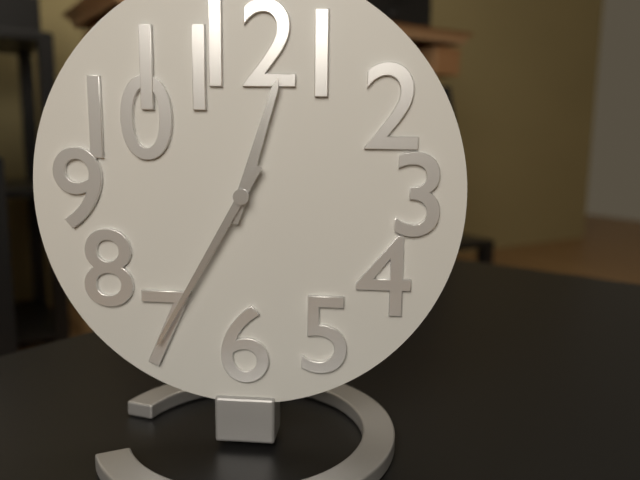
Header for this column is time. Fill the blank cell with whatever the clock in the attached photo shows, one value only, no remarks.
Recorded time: 12:35
